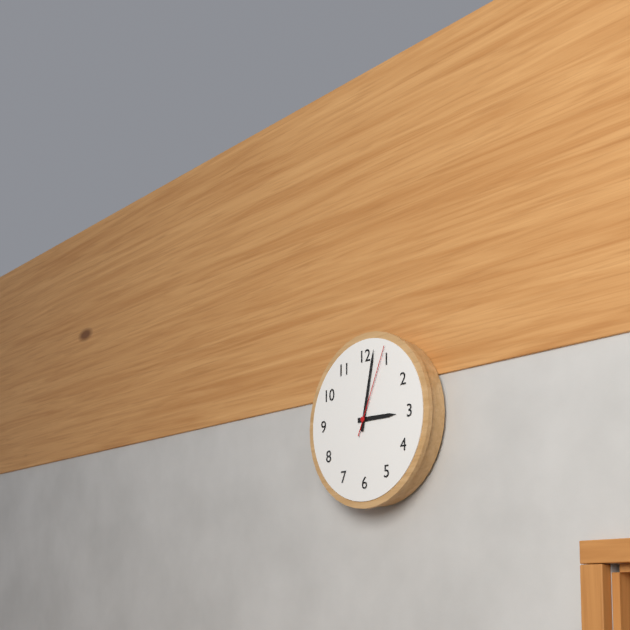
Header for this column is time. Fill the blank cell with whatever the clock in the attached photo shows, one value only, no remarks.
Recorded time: 3:02:04
